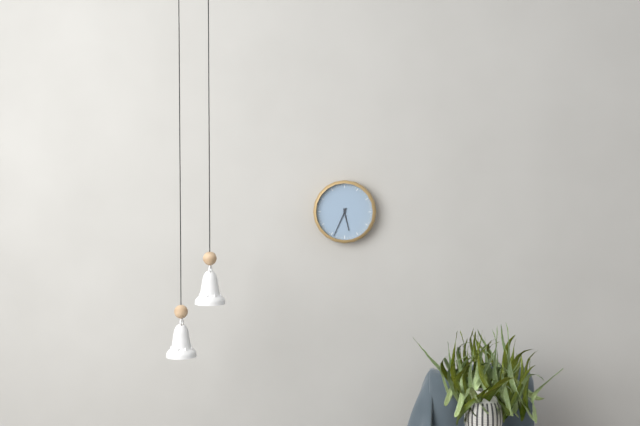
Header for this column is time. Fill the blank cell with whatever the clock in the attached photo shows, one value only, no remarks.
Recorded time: 5:34
